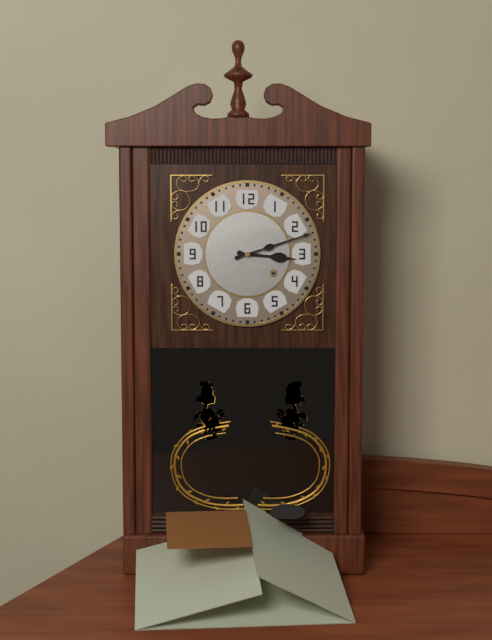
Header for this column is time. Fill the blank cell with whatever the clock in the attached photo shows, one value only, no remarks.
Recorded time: 3:12
